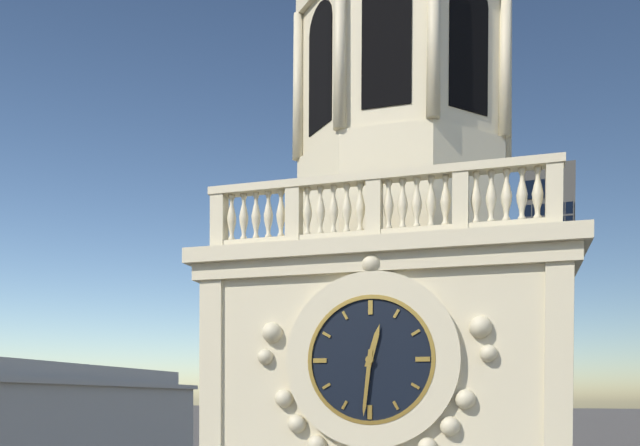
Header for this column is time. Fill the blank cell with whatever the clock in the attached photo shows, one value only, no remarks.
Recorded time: 12:31
